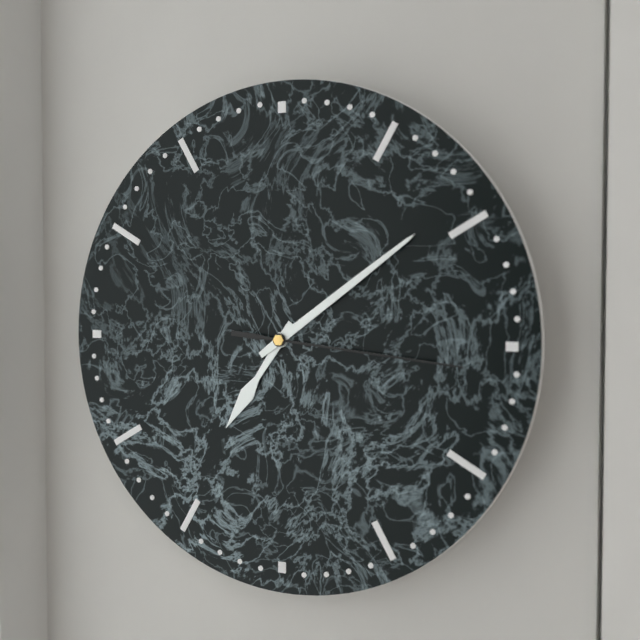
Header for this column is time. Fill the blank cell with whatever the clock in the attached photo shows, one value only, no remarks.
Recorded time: 7:09:16
